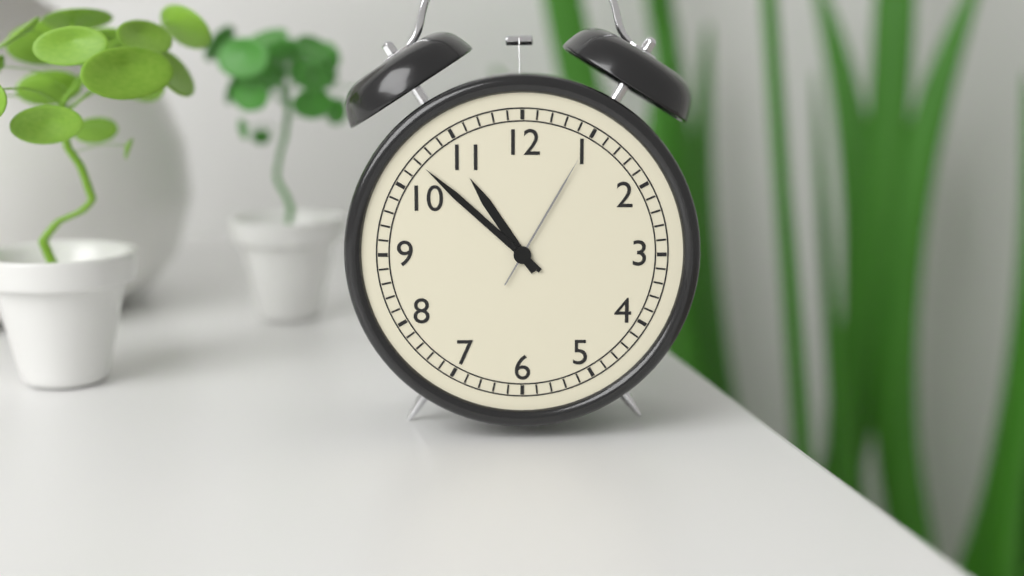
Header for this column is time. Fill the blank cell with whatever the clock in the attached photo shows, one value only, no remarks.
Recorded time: 10:52:05
